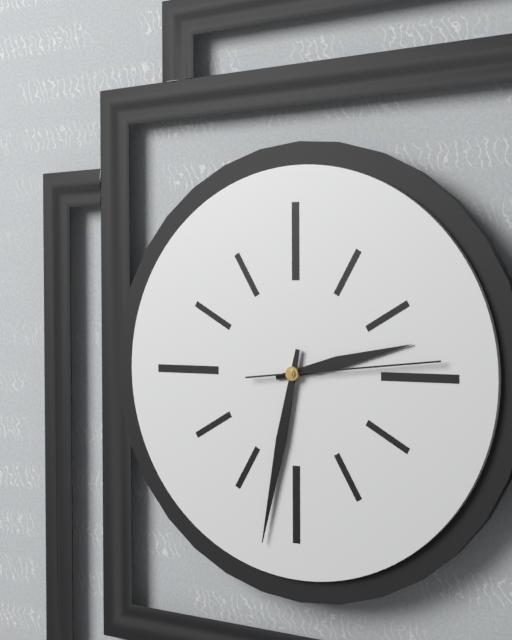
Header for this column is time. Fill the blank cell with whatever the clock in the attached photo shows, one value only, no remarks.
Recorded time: 2:32:14
